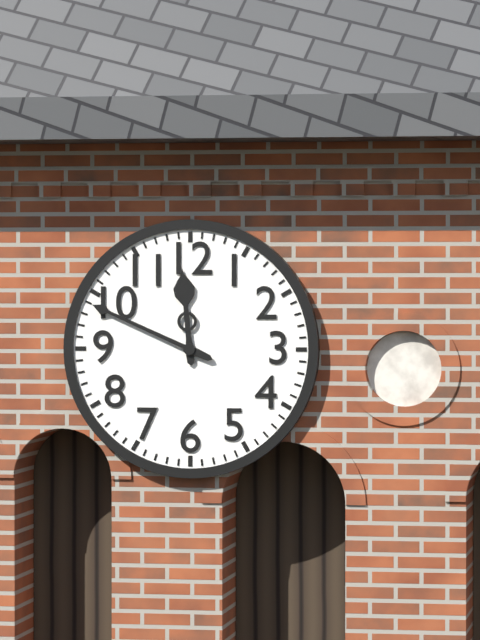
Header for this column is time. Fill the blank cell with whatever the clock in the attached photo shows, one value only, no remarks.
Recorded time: 11:49
